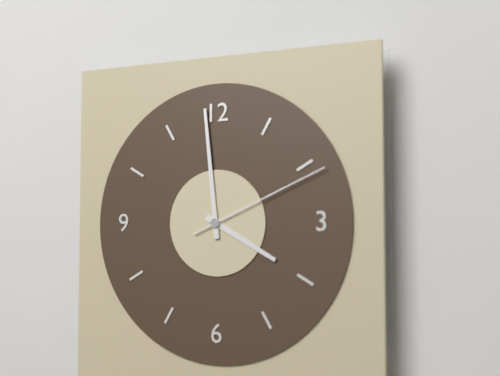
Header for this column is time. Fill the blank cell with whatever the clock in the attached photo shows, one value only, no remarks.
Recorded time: 3:59:11
